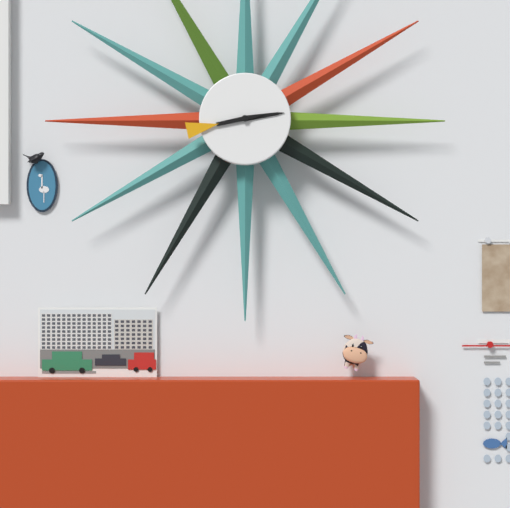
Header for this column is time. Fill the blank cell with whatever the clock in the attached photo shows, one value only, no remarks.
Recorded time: 2:43
